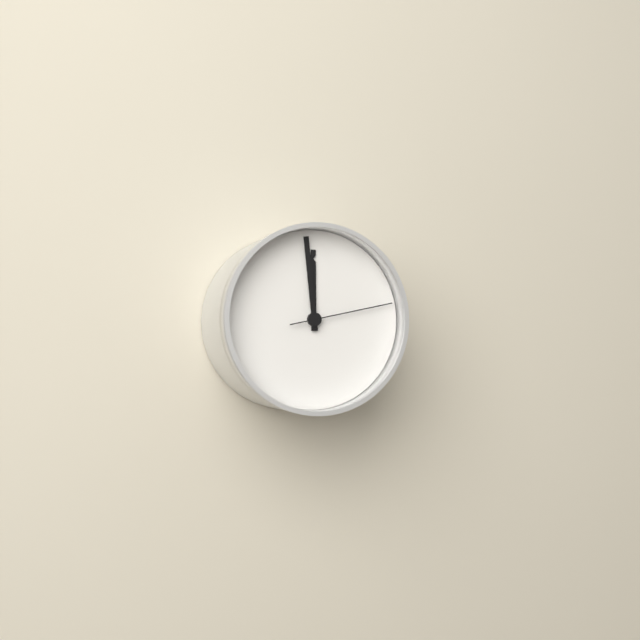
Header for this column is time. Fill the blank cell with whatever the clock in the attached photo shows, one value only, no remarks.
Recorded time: 11:59:13
